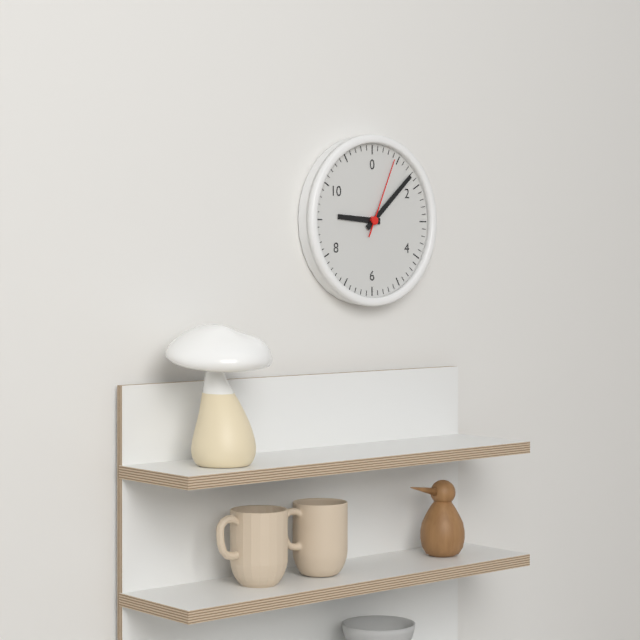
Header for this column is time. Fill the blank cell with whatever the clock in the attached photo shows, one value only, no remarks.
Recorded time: 9:08:04
